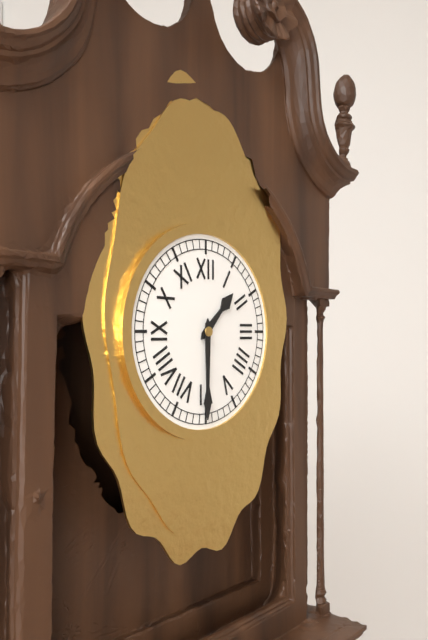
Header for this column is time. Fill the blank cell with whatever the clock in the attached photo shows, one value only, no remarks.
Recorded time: 1:30
